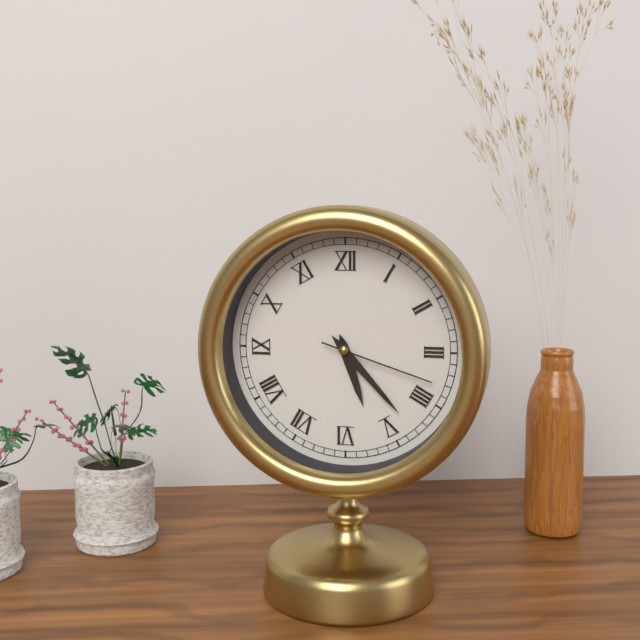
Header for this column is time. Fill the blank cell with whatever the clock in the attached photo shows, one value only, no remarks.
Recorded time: 5:23:18
